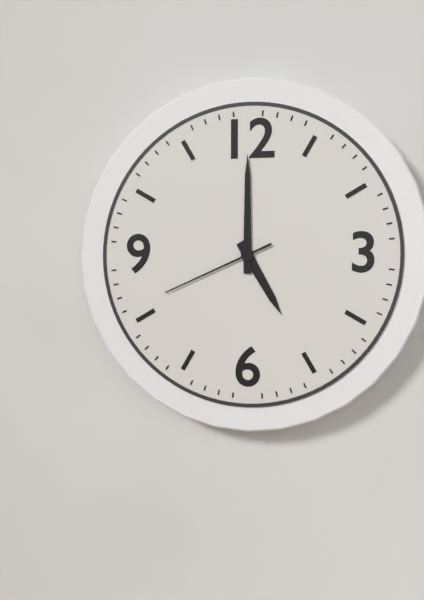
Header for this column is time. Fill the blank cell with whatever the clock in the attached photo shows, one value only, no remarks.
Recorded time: 5:00:41
